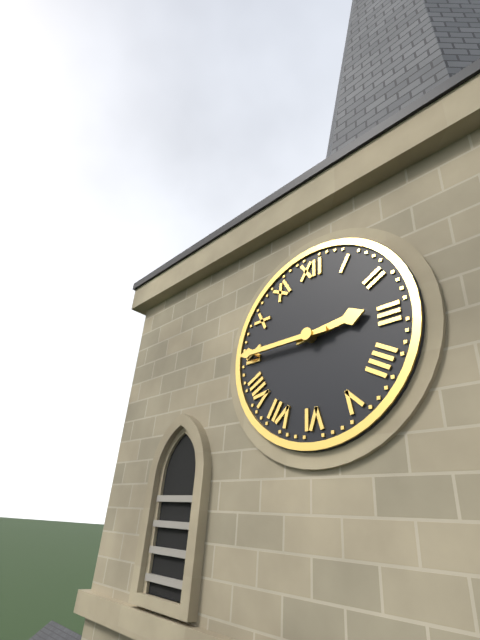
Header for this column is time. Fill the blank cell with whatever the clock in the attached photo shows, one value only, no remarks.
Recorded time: 2:45
